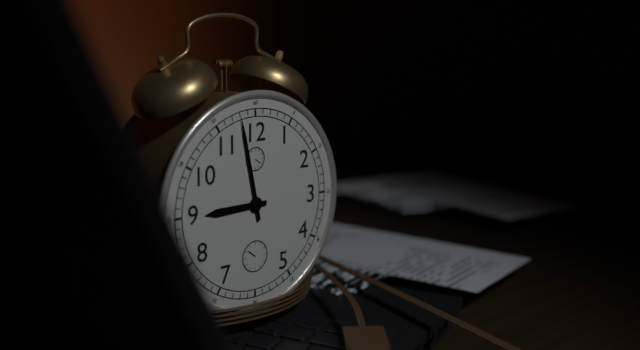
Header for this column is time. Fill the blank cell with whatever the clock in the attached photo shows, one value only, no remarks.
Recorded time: 8:58
